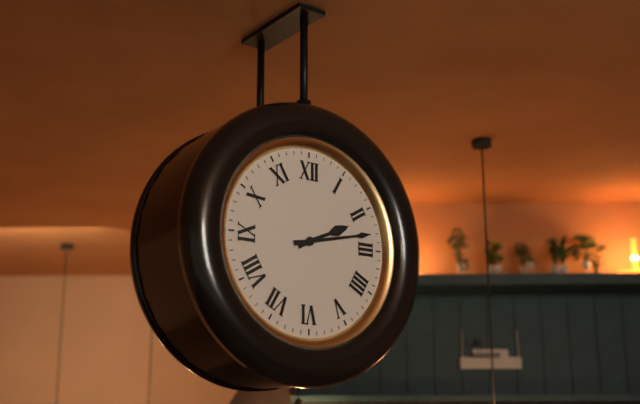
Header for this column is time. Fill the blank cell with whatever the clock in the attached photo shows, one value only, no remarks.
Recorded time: 2:13
